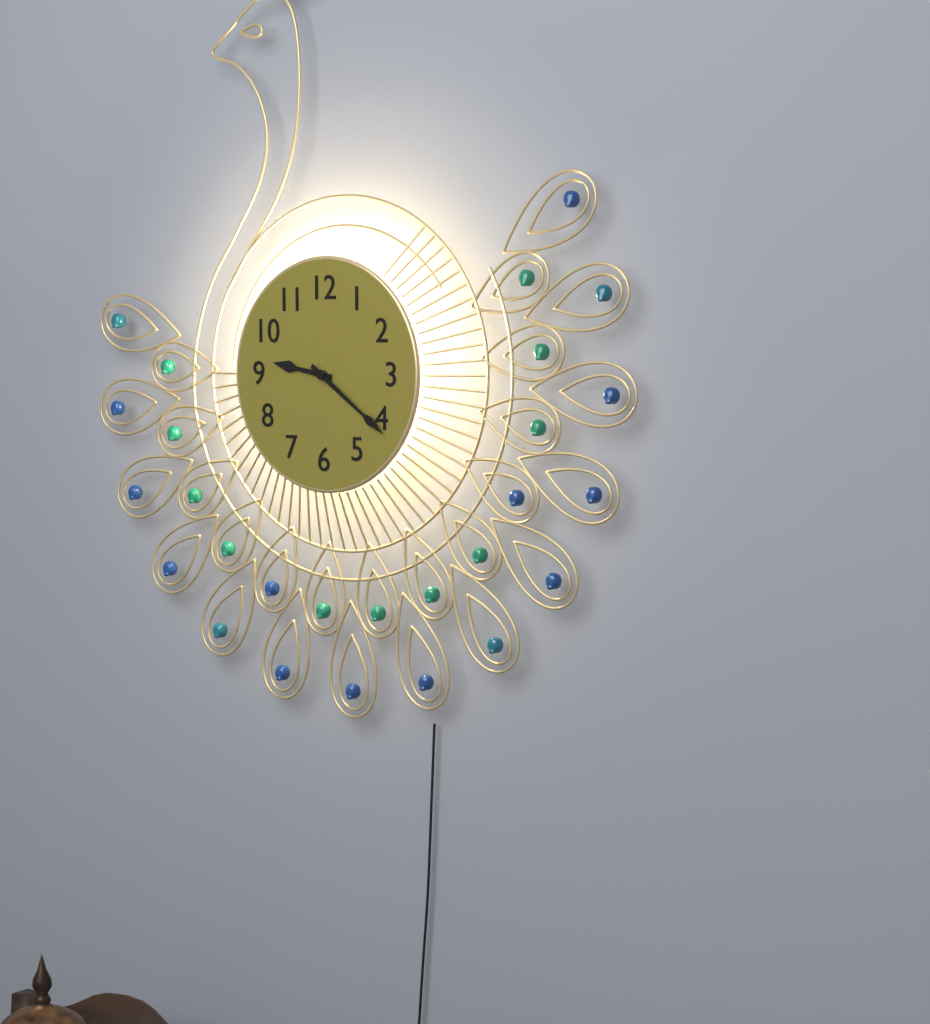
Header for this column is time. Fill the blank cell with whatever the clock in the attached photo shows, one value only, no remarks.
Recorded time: 9:21
